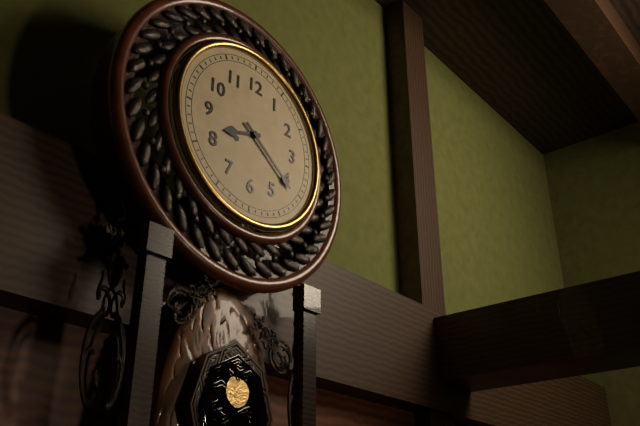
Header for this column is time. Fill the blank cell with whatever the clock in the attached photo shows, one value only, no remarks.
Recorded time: 8:21
